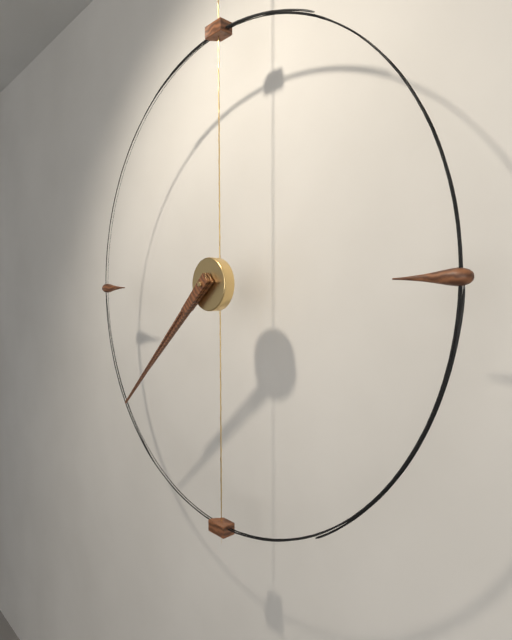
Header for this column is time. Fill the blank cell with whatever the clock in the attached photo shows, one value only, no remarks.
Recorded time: 7:38
